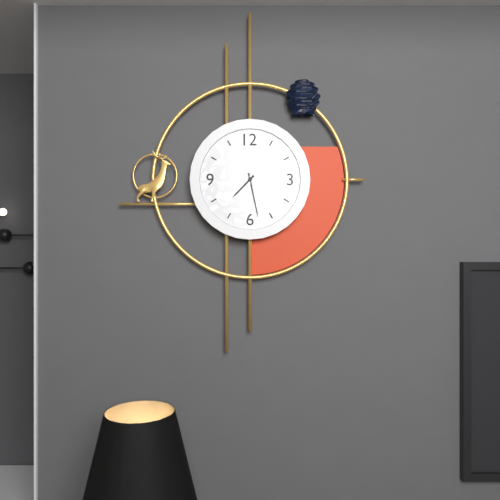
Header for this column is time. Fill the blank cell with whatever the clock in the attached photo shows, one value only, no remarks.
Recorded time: 7:28:31
